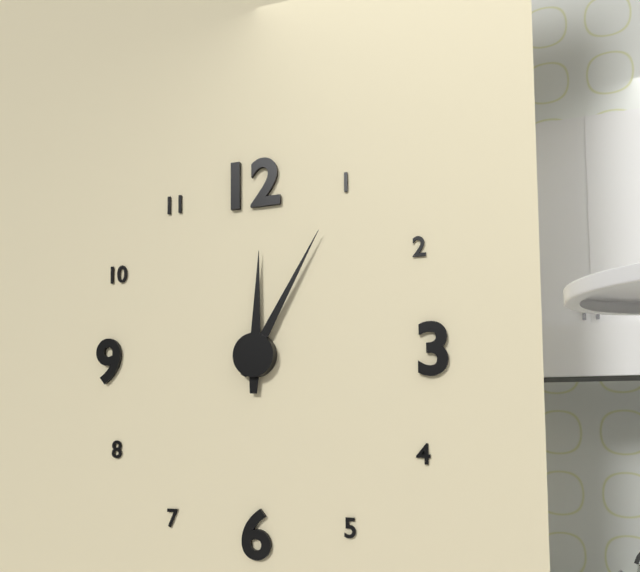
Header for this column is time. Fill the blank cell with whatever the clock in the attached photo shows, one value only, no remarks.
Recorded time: 12:05
